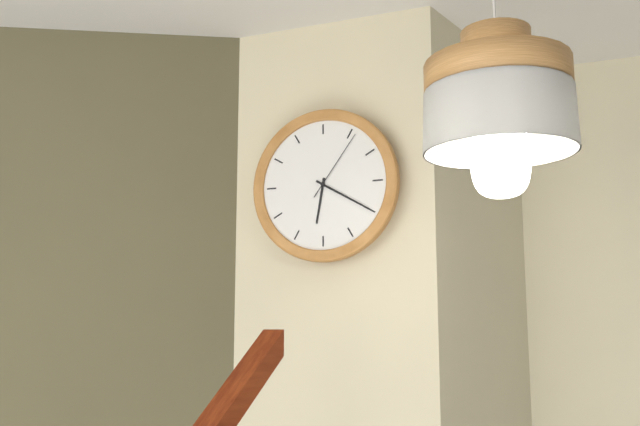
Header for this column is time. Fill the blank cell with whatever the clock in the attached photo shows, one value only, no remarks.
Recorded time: 6:20:06
